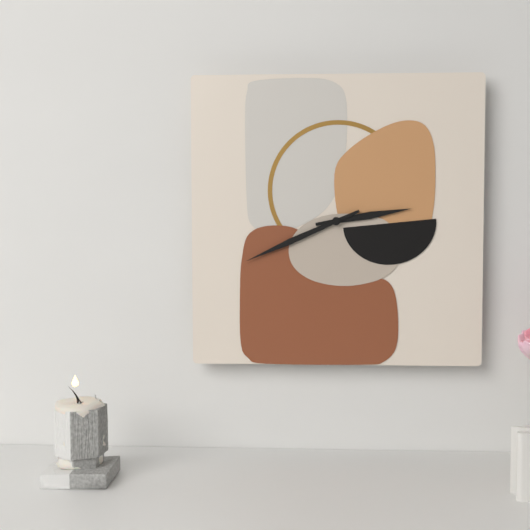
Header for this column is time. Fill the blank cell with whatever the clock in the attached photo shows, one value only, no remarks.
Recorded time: 2:41
